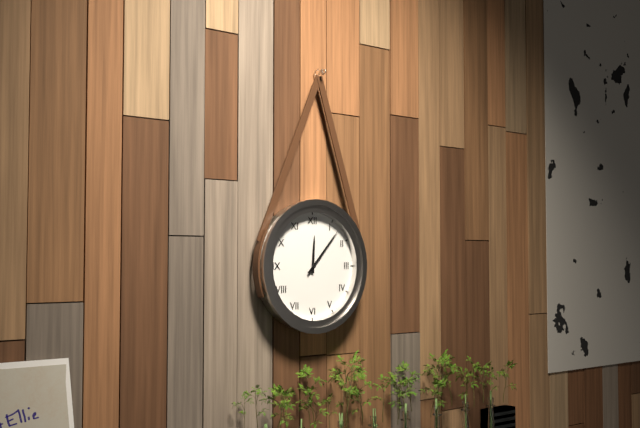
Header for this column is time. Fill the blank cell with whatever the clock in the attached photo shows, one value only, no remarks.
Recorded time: 12:07
